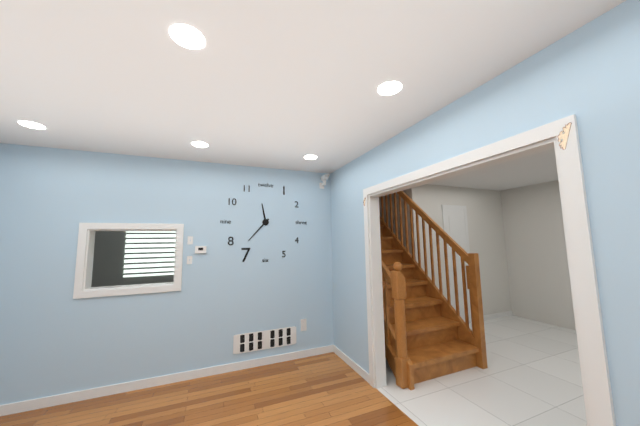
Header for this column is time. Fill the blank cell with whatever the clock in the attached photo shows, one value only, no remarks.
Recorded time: 11:37
